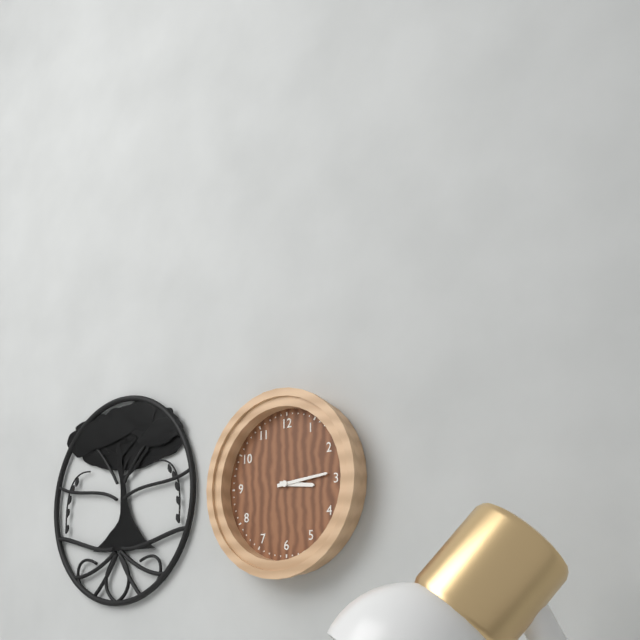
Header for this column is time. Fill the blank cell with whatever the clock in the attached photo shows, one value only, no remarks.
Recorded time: 3:14
